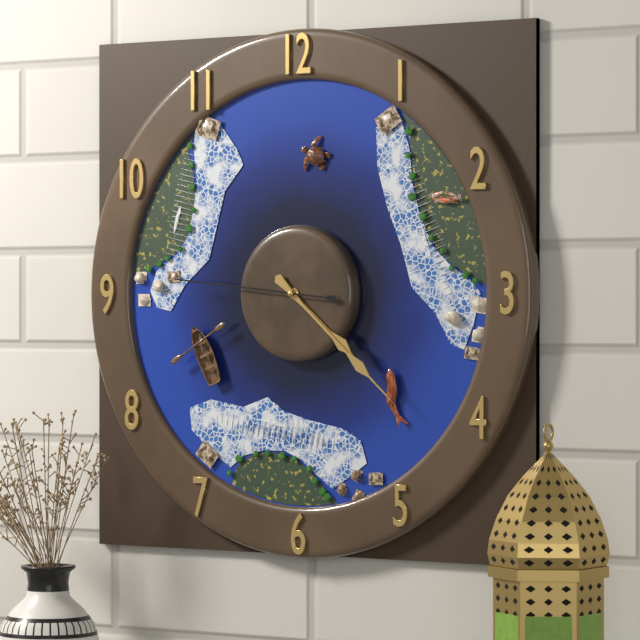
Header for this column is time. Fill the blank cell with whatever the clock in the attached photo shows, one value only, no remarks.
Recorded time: 4:22:46
